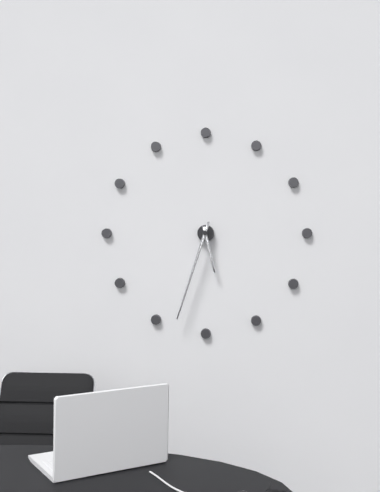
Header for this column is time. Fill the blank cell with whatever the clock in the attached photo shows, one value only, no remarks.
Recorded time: 5:33
